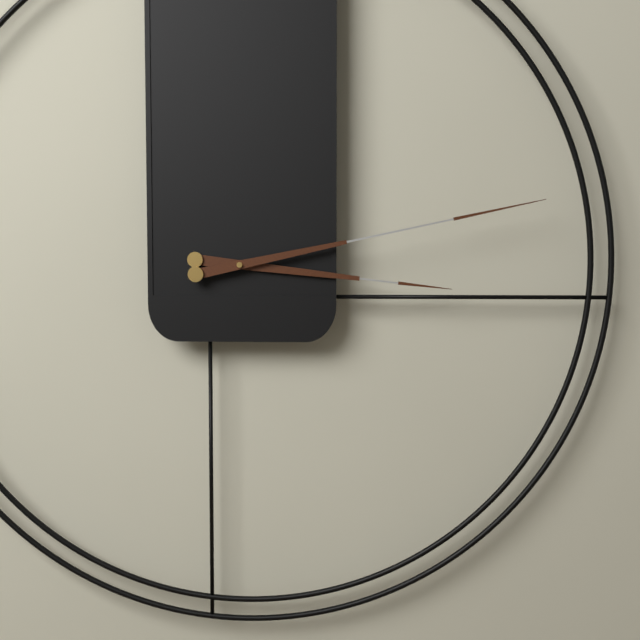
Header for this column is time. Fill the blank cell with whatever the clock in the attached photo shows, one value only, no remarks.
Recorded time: 3:13
